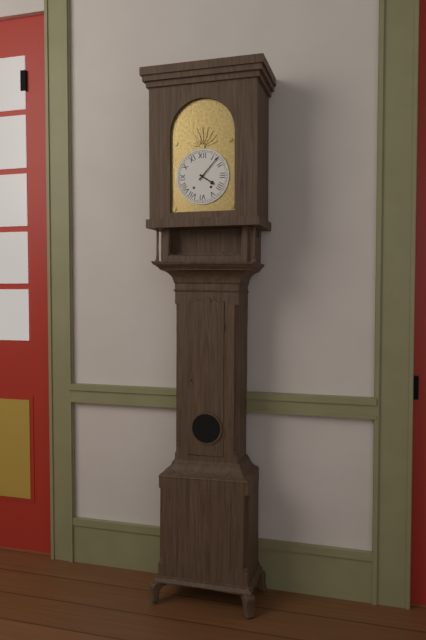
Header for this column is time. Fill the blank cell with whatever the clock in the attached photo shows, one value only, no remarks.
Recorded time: 4:07
